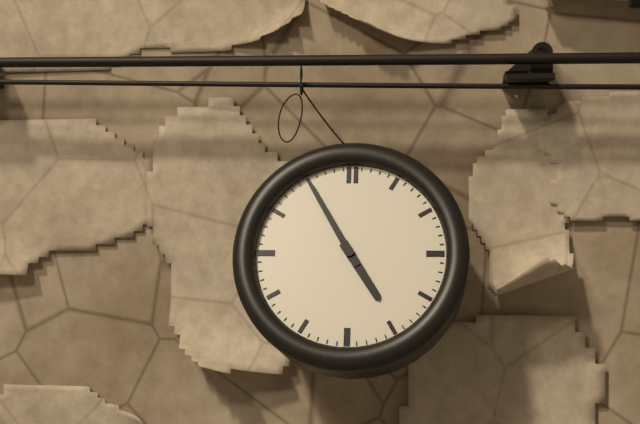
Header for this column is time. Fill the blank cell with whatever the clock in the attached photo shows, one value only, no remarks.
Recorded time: 4:55
